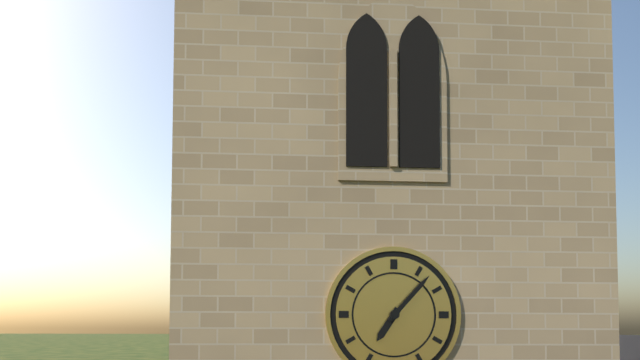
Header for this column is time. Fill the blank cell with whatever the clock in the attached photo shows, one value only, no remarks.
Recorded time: 7:07
